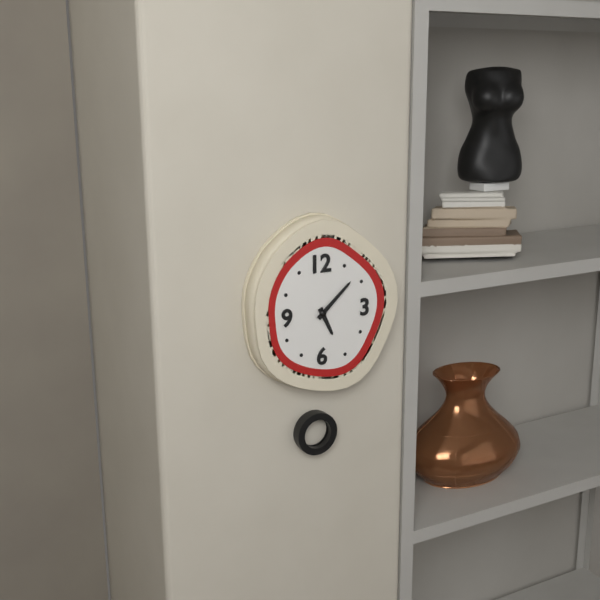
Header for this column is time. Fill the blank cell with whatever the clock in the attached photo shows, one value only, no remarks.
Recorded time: 5:08
